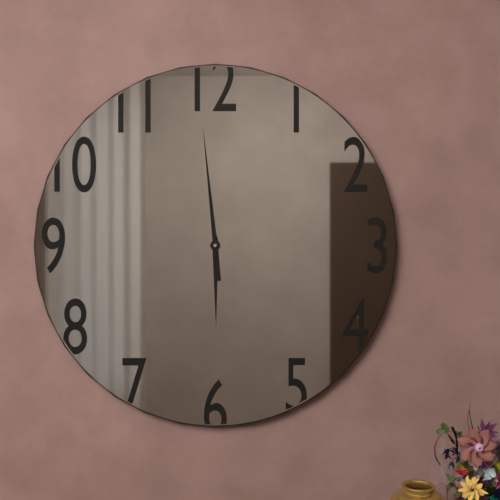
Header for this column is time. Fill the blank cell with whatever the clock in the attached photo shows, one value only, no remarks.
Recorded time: 5:59
